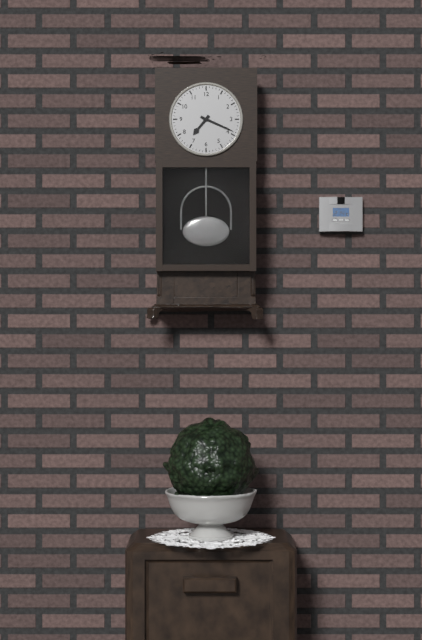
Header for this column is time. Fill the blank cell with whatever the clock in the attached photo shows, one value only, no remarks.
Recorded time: 7:19
